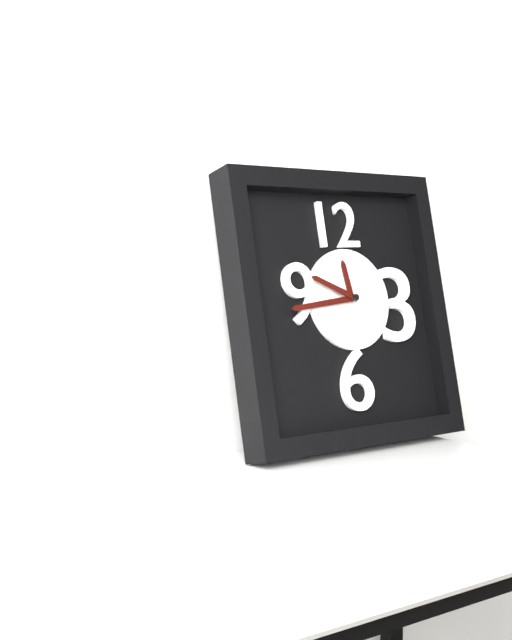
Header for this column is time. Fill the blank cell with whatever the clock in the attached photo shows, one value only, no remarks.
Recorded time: 11:44:49
